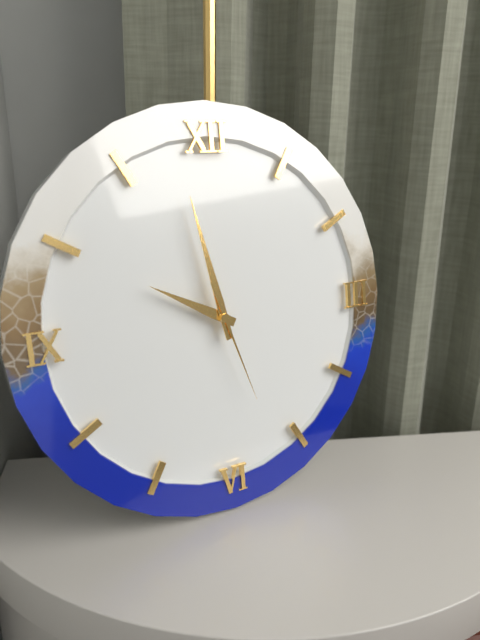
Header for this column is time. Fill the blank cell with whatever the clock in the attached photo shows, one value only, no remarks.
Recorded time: 9:58:27
